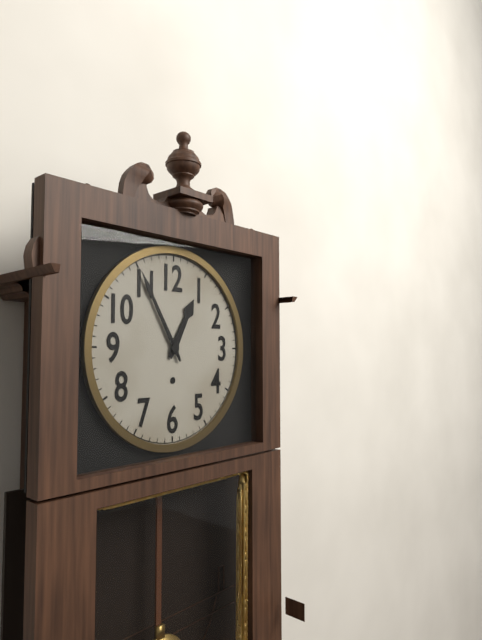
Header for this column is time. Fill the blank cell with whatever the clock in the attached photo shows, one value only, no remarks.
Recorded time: 12:55
